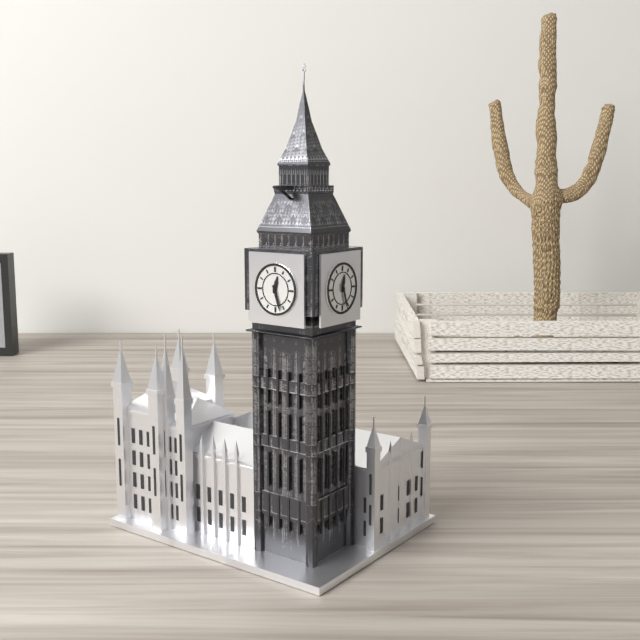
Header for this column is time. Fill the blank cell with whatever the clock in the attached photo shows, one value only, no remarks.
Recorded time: 12:27
